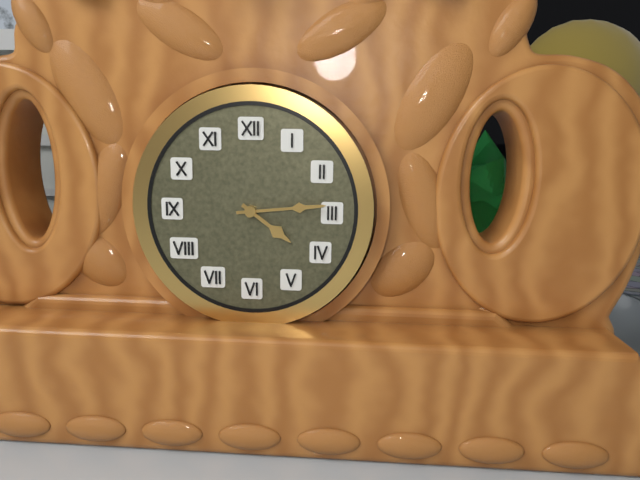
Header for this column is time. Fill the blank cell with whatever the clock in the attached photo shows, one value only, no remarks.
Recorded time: 4:14
